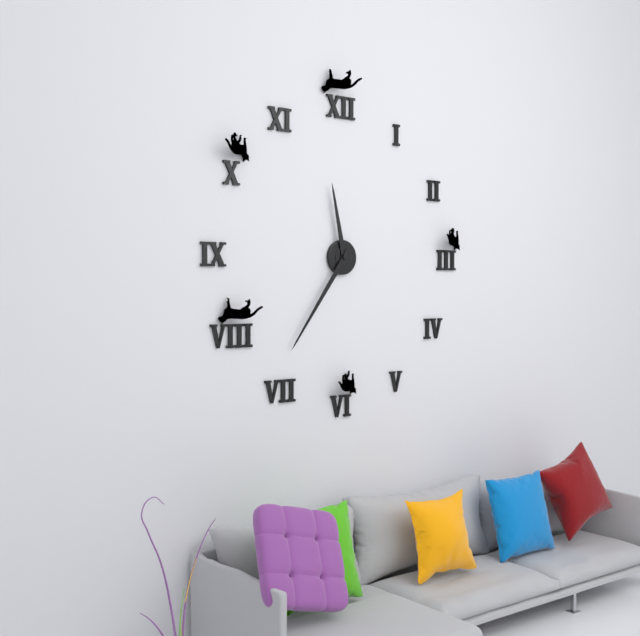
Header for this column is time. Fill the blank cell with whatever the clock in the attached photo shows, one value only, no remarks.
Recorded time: 11:36
